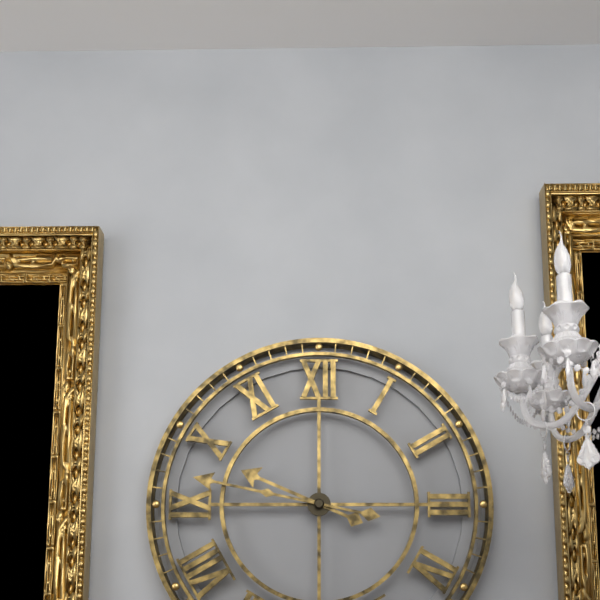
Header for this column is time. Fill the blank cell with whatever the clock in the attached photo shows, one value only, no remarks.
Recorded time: 9:47
